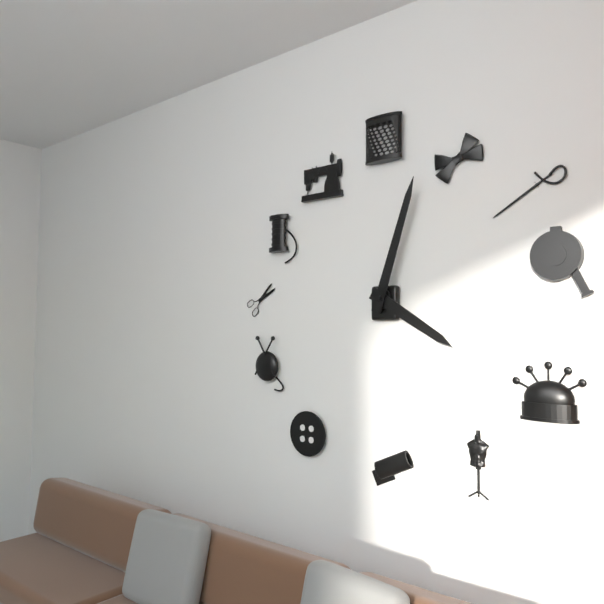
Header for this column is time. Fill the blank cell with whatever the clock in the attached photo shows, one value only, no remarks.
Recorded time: 4:03
